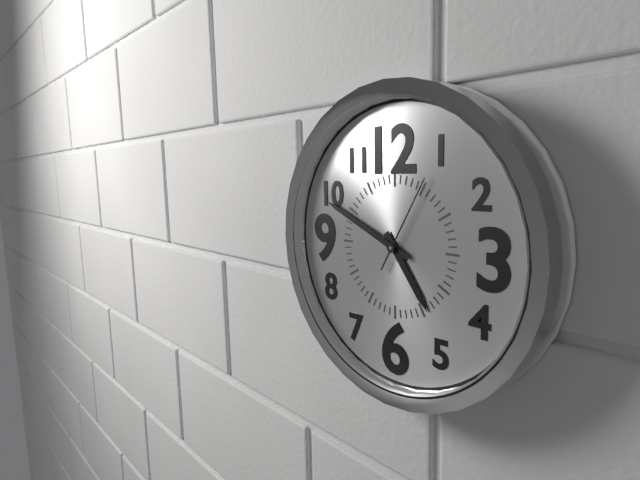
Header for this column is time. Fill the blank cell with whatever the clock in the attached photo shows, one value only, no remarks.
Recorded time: 4:49:05
